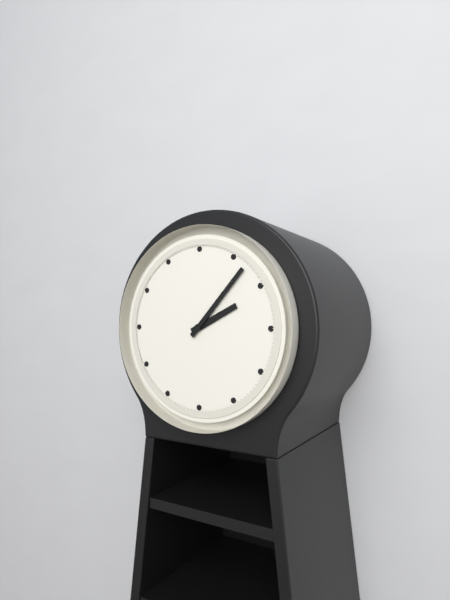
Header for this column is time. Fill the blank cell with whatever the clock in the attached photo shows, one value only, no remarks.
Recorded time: 2:07
